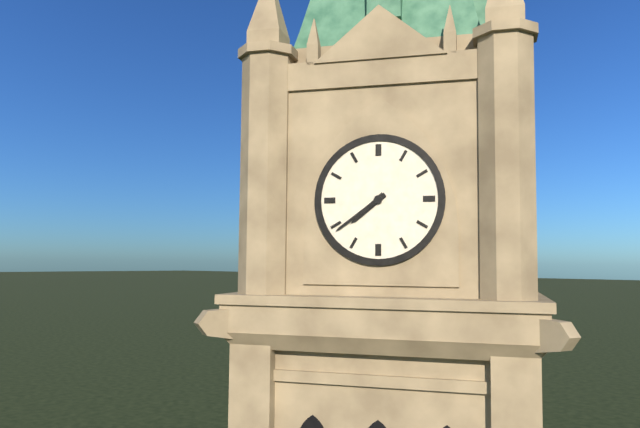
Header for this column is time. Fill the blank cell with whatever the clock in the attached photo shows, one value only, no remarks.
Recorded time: 7:39
